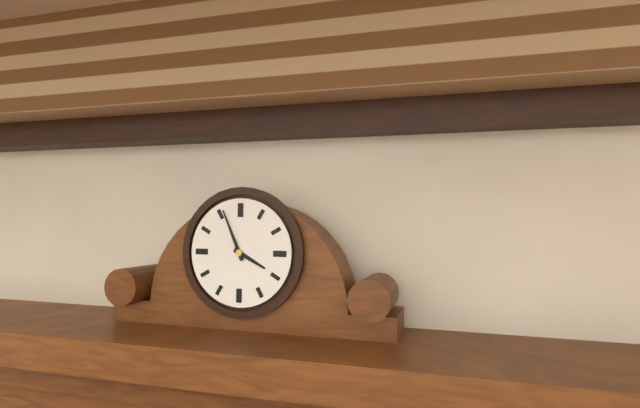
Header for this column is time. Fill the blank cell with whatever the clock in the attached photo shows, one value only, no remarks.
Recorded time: 3:56
